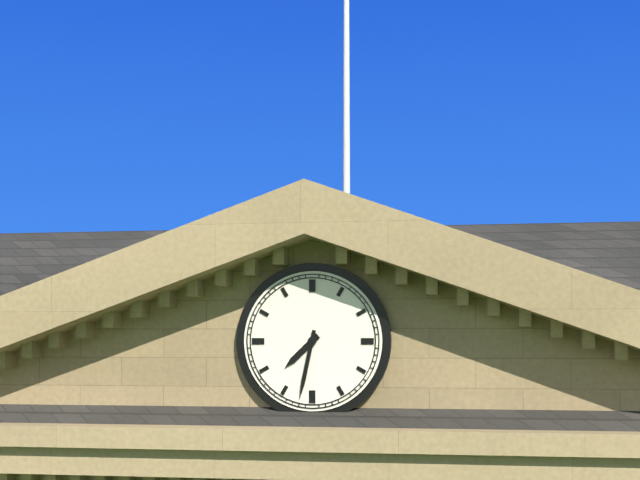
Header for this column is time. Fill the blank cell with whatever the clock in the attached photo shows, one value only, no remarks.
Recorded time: 7:32
